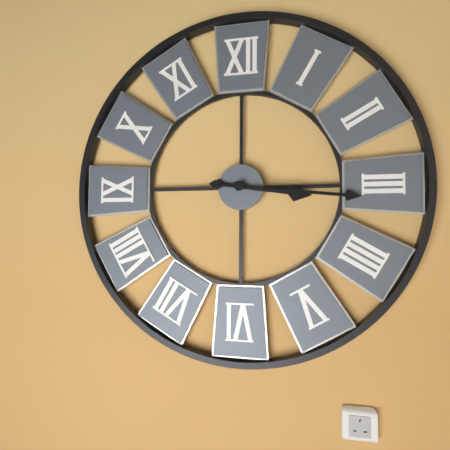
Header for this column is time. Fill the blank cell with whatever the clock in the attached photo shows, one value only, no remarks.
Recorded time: 3:16
